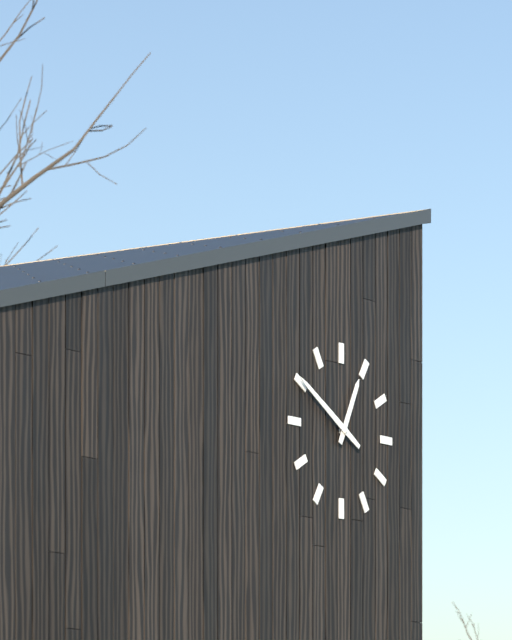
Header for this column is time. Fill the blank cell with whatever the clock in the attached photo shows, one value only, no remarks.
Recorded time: 12:50
